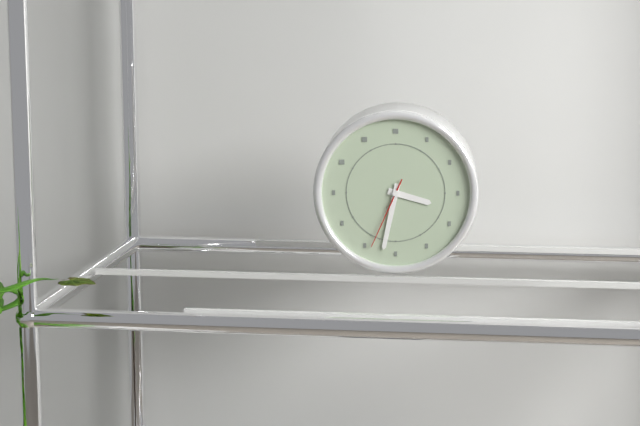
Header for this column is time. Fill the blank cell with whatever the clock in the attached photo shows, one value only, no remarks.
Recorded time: 3:32:34
